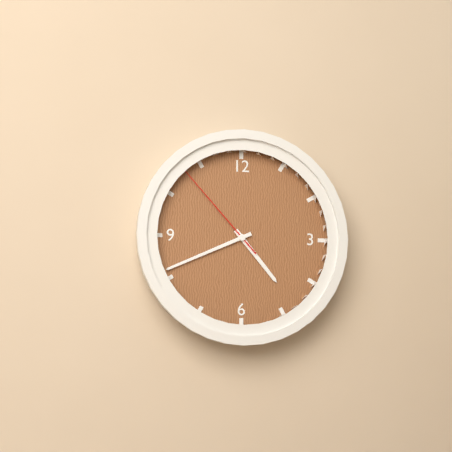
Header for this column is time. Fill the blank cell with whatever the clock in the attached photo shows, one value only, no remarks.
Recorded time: 4:41:53
